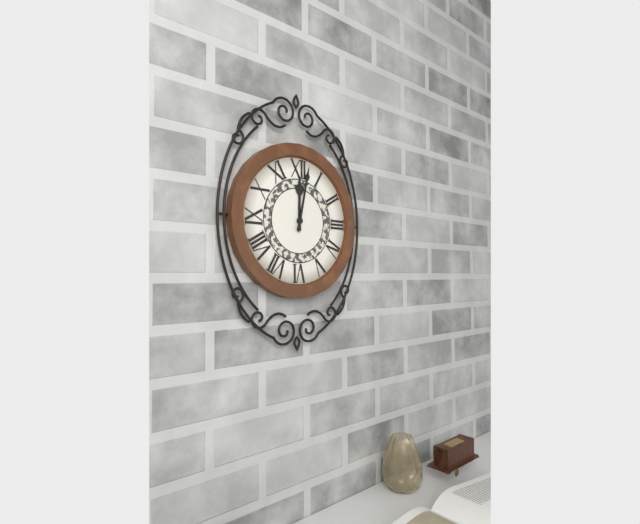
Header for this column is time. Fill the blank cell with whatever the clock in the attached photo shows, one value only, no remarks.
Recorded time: 12:02
